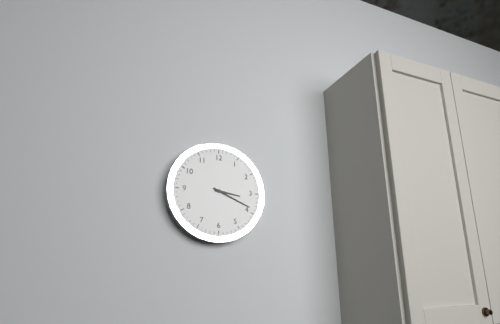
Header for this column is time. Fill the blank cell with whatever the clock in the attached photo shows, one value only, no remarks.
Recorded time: 3:19
